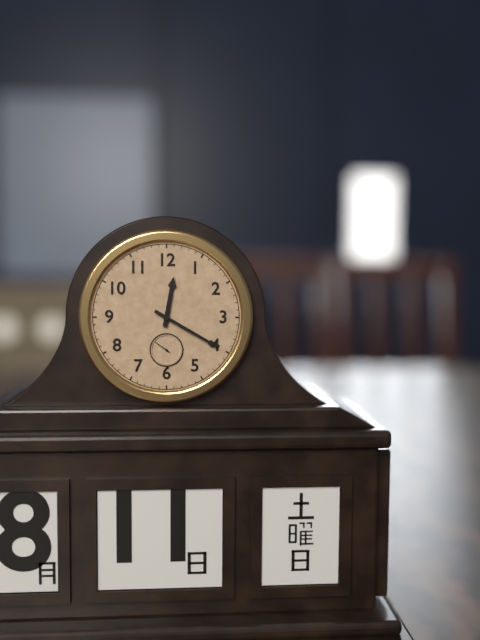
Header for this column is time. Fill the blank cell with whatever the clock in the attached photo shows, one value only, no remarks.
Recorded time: 12:20
